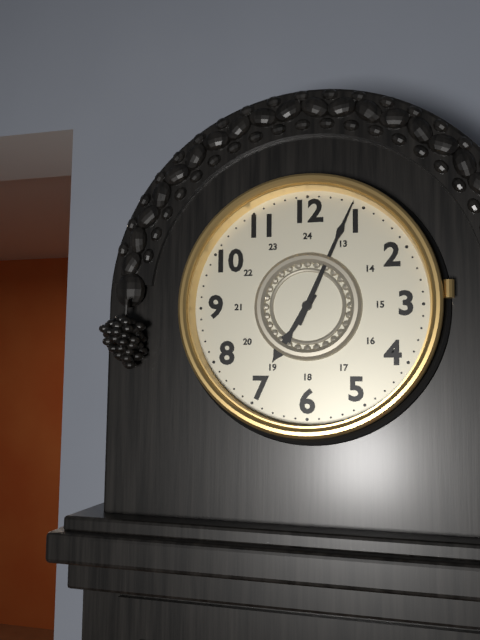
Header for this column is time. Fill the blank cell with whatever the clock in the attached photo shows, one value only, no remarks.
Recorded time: 7:04
